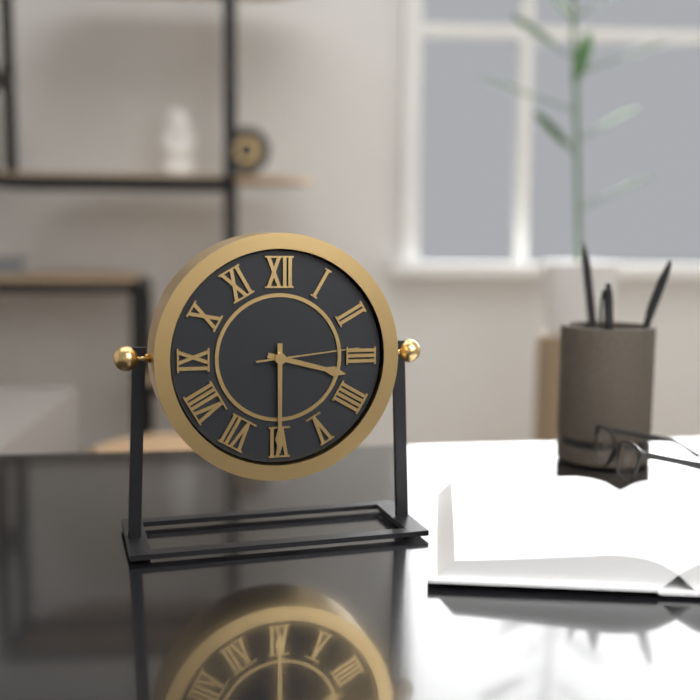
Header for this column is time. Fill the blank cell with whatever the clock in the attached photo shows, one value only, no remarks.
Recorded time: 3:30:14
